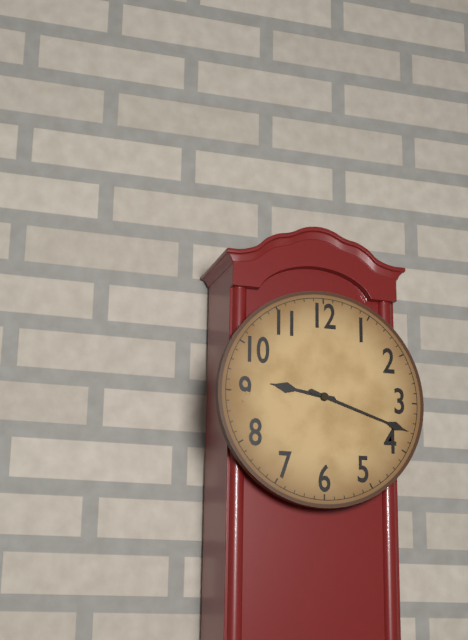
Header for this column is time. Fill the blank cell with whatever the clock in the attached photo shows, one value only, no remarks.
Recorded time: 9:18
